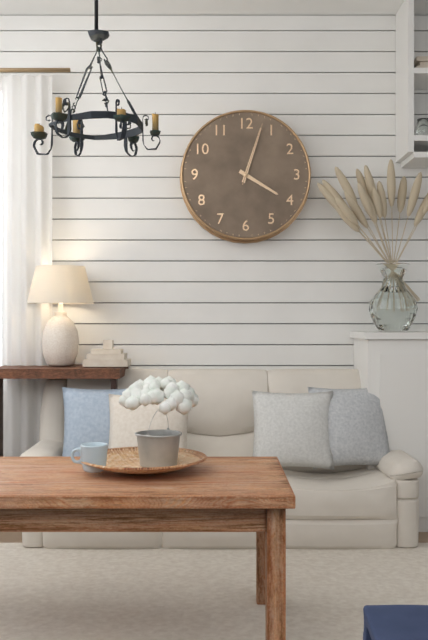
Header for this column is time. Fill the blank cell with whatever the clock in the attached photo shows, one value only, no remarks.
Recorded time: 4:03:03
